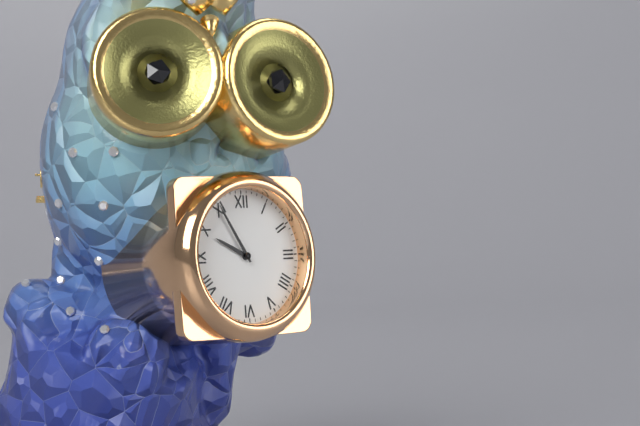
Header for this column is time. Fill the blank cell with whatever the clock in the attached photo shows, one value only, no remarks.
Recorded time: 9:55
